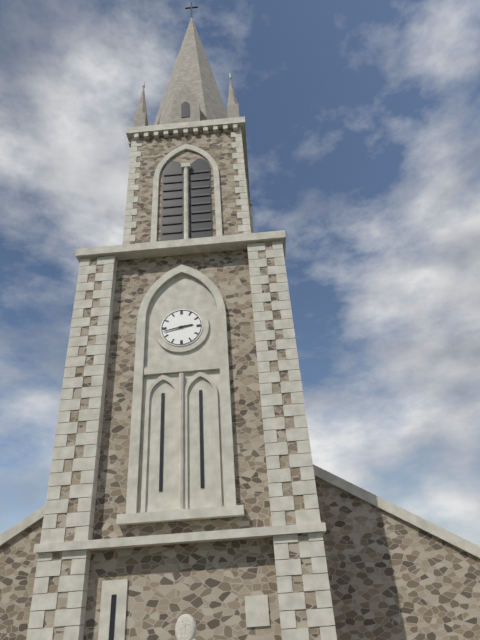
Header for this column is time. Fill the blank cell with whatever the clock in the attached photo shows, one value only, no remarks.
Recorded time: 2:43
